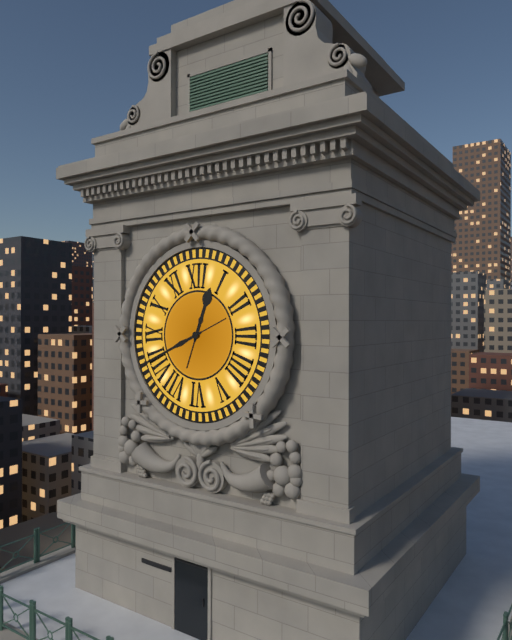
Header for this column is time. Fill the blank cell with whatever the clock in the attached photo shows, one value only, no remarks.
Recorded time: 12:41
